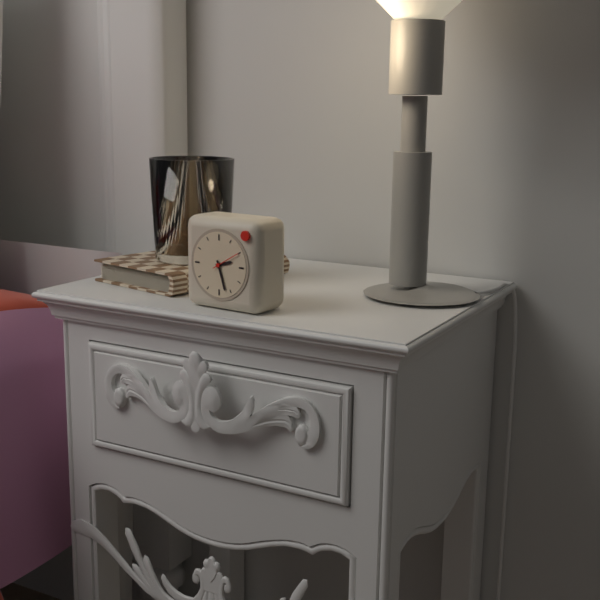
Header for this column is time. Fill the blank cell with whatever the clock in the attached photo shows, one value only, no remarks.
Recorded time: 2:27
